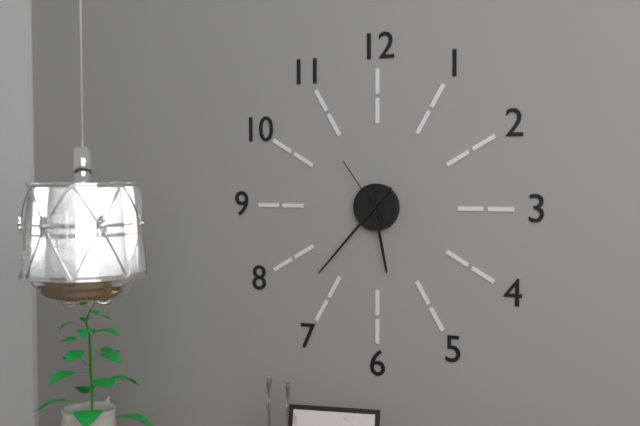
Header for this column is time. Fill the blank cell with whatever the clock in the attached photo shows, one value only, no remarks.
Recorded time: 5:37:54
